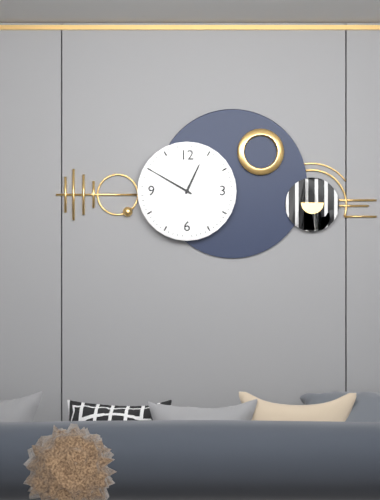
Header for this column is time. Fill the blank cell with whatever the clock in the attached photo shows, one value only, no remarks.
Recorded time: 12:50
